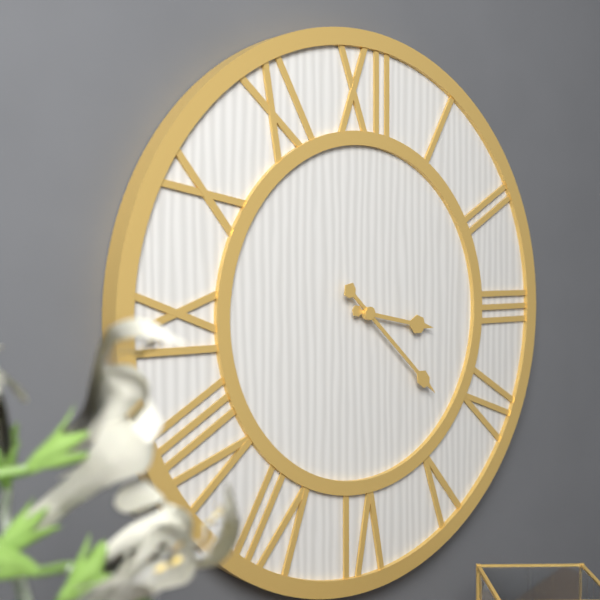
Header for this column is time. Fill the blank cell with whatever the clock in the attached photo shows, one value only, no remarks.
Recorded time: 3:22
